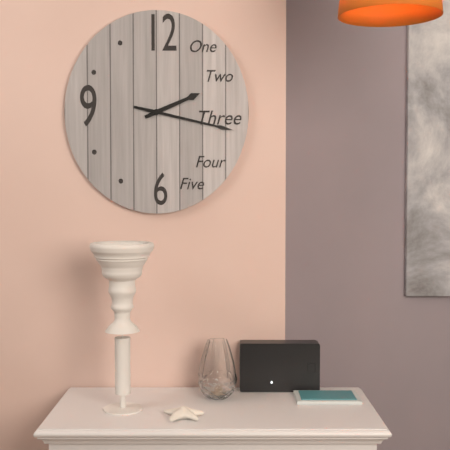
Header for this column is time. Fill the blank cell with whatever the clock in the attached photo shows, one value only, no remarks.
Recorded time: 2:17
